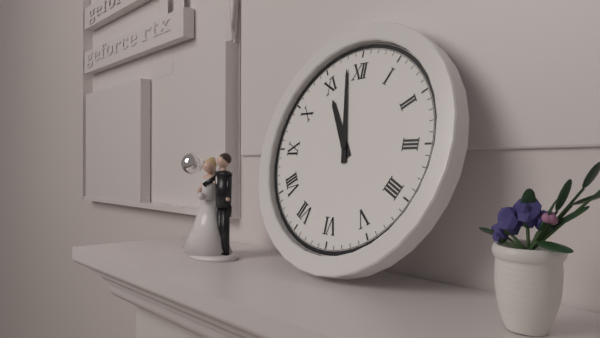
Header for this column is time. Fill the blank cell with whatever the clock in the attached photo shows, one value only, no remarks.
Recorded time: 10:58
